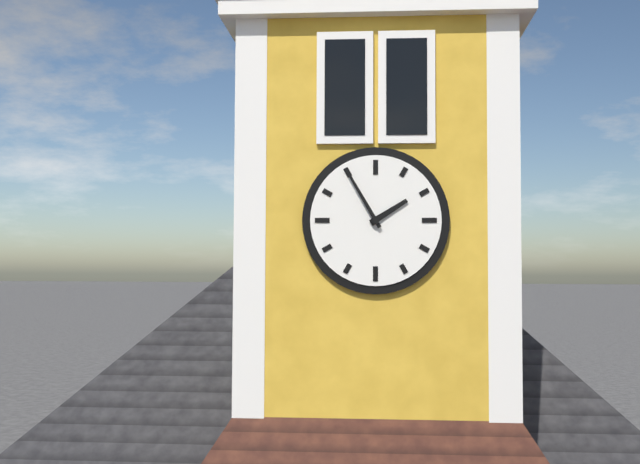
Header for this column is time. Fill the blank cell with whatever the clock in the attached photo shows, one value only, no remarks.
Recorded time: 1:55
